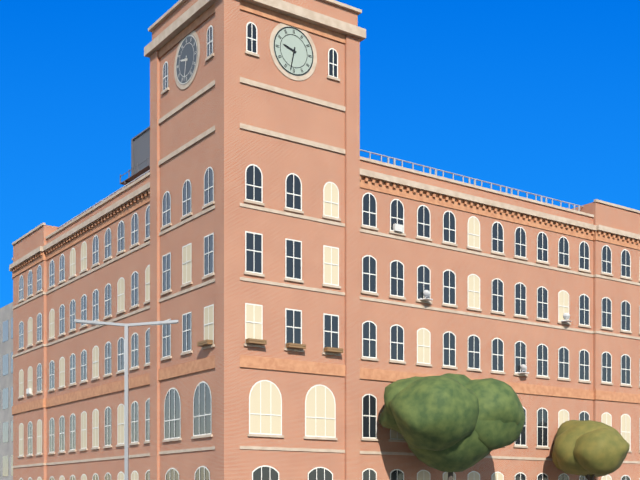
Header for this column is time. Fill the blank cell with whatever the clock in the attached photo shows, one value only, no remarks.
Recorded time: 9:32
